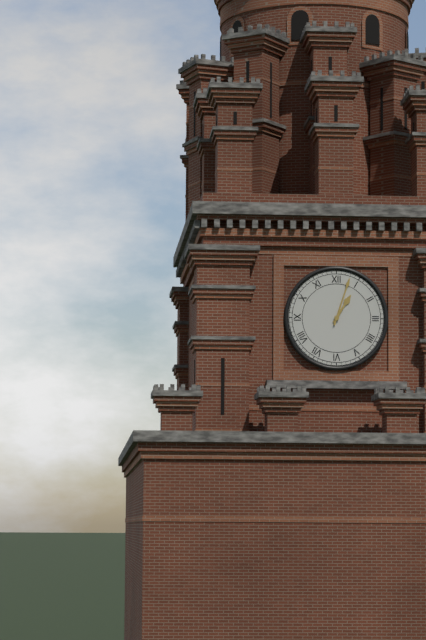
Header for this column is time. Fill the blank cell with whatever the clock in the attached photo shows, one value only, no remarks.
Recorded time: 1:03
